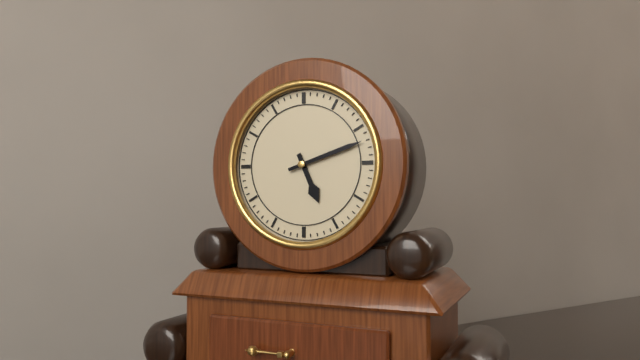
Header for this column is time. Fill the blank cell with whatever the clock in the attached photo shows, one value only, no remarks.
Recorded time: 5:12
